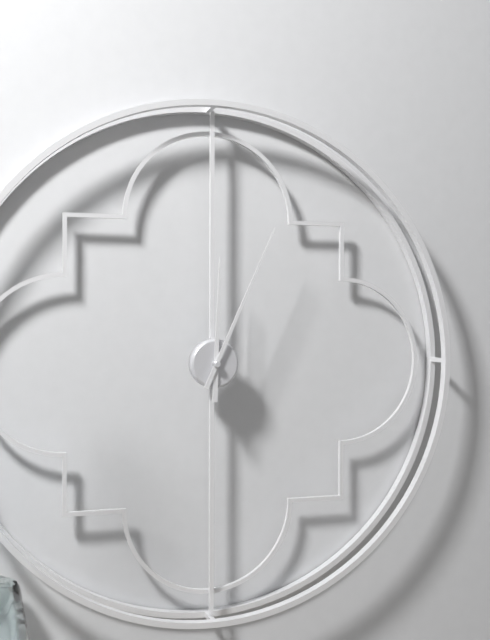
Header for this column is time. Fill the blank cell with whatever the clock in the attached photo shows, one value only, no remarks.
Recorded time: 12:04
